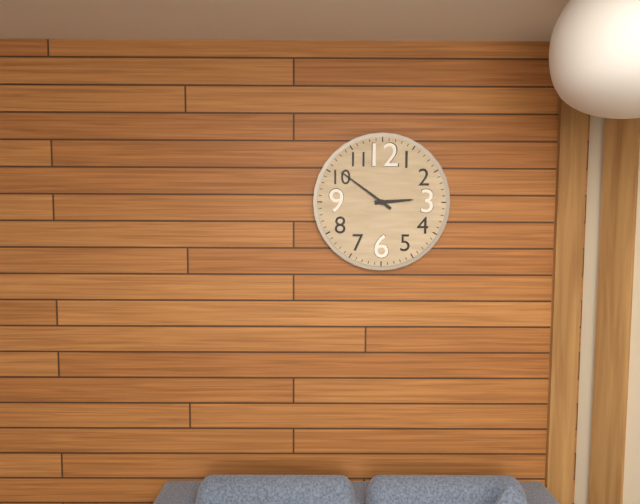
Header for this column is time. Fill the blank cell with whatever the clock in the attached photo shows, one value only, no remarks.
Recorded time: 2:51
